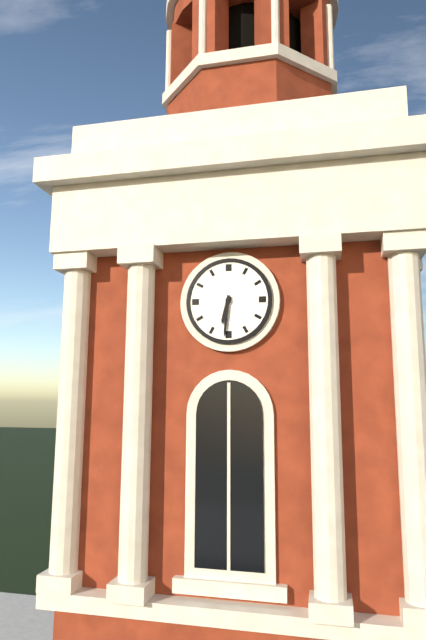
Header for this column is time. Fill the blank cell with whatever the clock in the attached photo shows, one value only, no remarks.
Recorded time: 6:31
